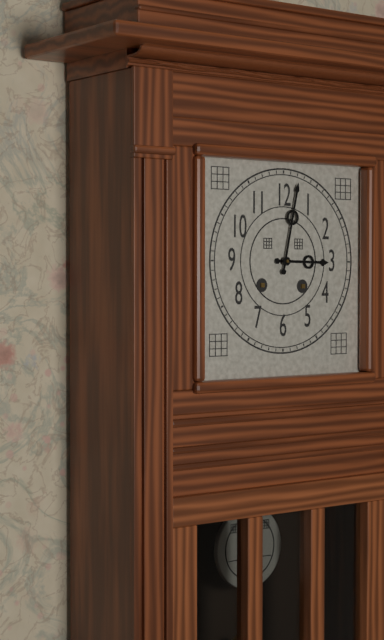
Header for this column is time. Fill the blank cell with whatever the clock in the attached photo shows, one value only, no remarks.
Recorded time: 3:02
